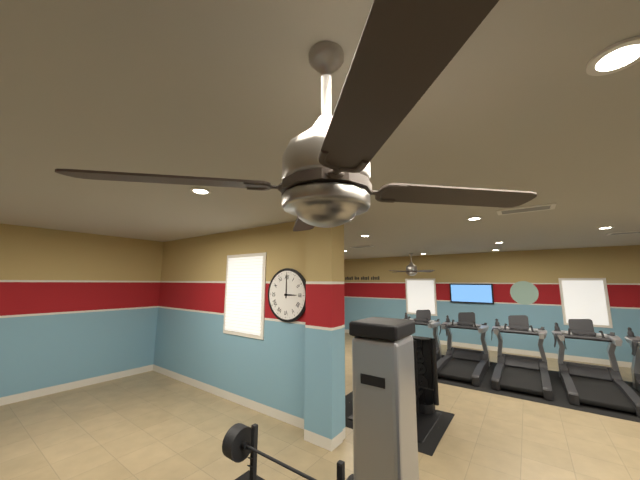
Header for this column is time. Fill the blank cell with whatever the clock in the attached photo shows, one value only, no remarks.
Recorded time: 3:00
